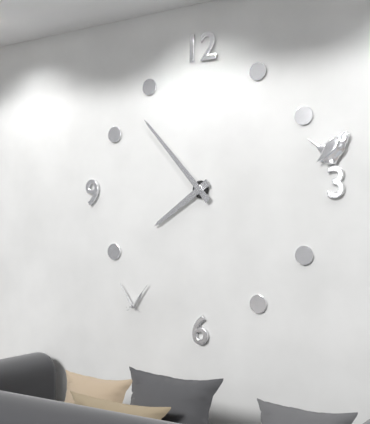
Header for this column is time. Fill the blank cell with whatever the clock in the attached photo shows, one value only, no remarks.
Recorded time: 7:53
